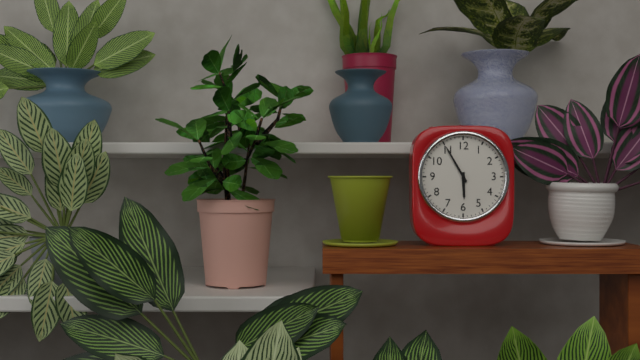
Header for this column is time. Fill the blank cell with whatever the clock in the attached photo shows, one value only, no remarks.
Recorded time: 5:55
